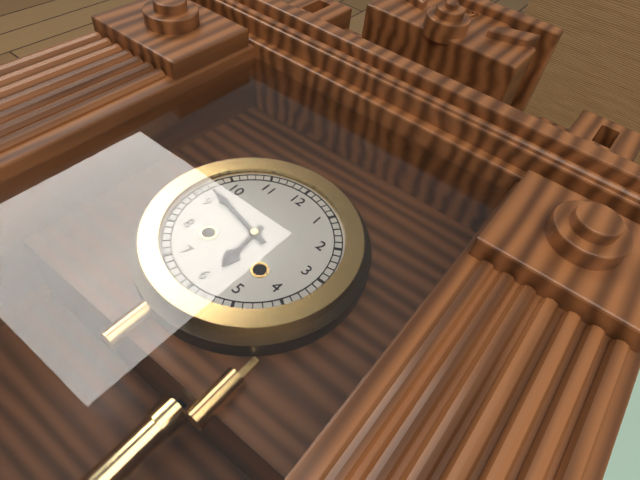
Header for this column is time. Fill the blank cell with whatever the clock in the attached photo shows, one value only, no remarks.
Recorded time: 5:47
